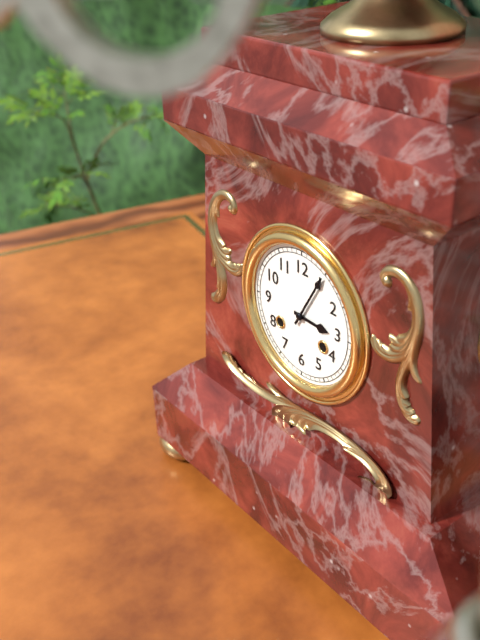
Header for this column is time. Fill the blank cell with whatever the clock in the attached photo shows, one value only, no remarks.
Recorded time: 3:05
